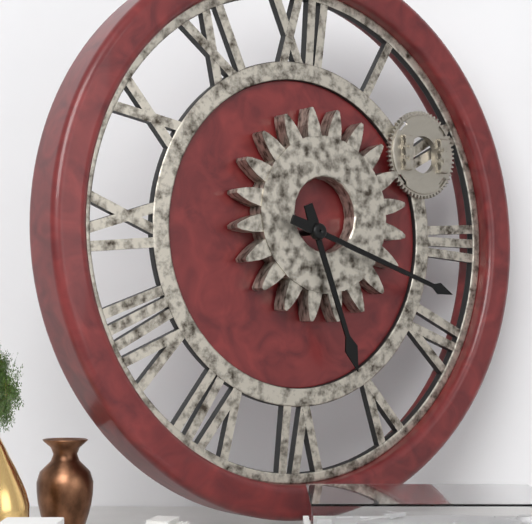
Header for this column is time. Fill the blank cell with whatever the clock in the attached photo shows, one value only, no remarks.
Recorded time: 5:18
